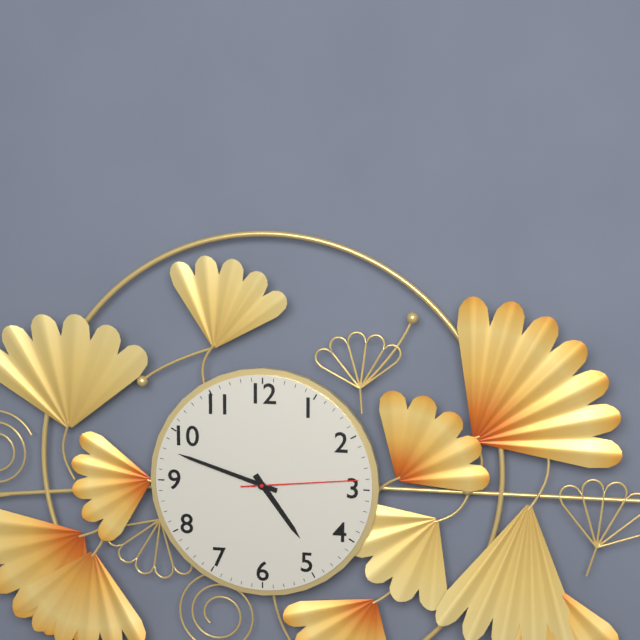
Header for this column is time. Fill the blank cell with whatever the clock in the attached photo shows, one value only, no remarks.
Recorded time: 4:48:14
